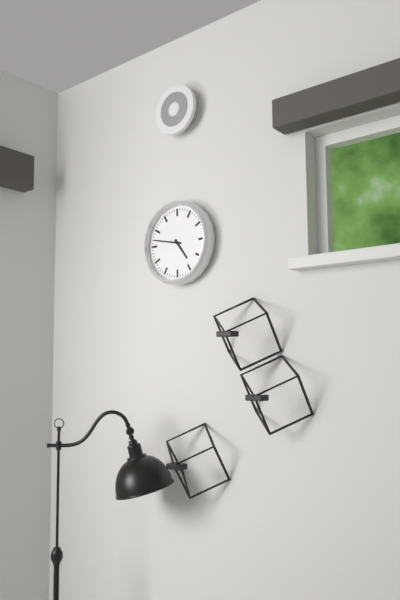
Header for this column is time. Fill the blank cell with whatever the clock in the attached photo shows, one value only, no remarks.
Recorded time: 4:47
